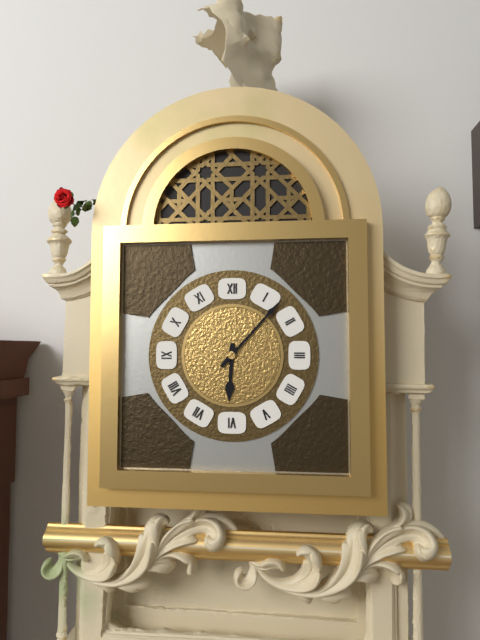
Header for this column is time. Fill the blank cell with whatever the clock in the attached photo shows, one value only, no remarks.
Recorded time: 6:07
